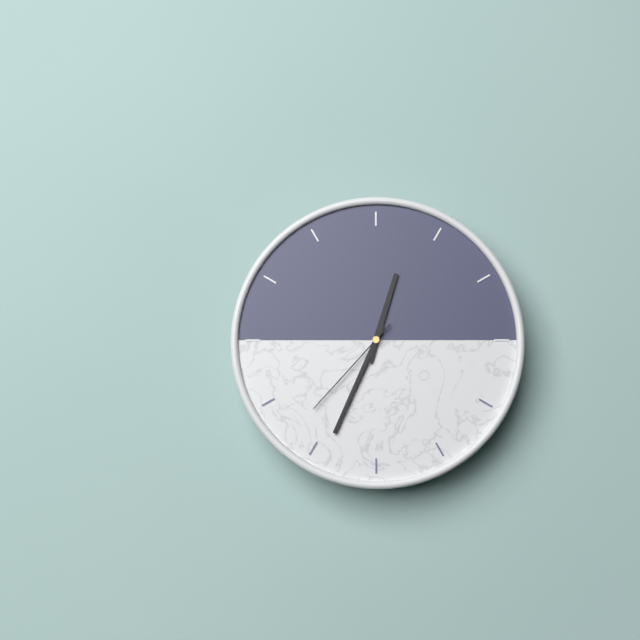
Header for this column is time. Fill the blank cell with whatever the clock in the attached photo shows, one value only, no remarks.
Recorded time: 12:34:37
